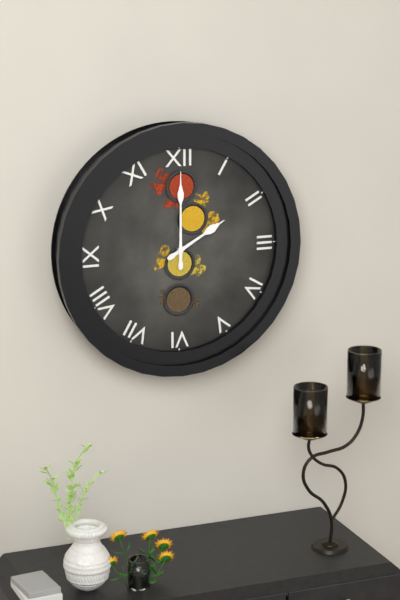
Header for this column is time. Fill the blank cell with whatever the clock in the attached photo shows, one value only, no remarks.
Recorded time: 2:00
